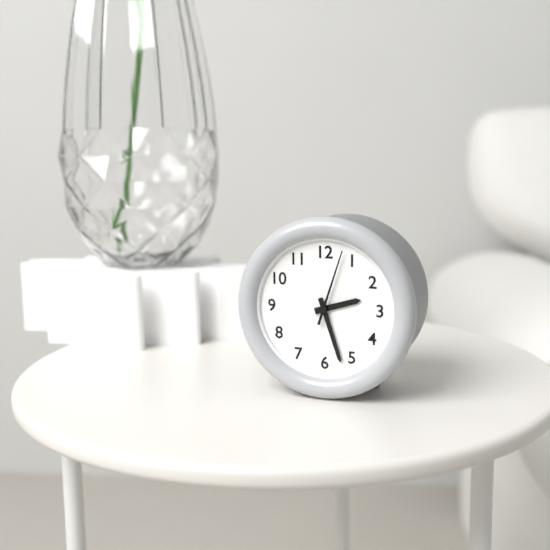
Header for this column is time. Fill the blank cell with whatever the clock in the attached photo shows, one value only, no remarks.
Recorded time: 2:27:03
